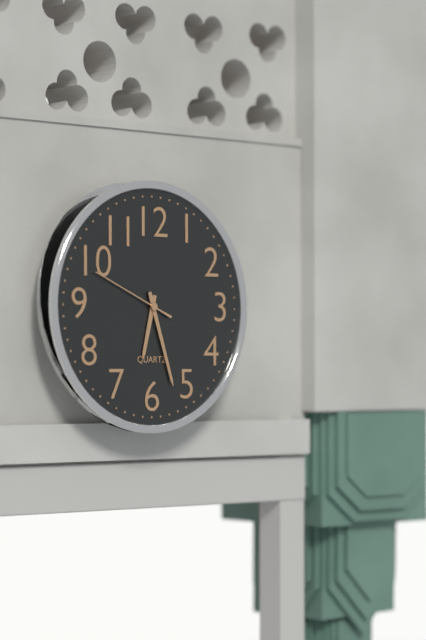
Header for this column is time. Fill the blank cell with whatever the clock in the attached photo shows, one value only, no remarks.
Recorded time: 6:27:49
